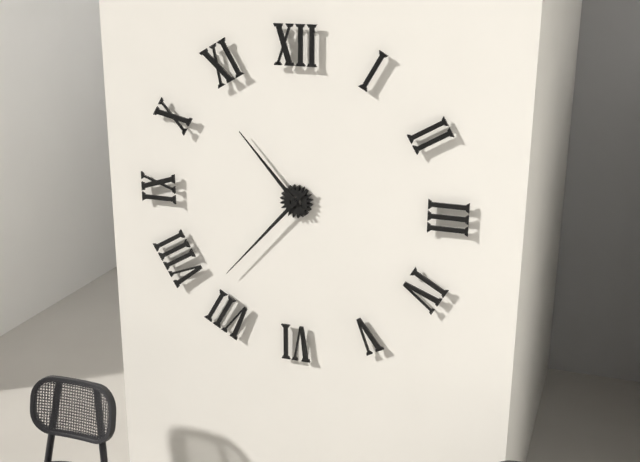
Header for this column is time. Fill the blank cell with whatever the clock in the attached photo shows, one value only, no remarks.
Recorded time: 10:37
